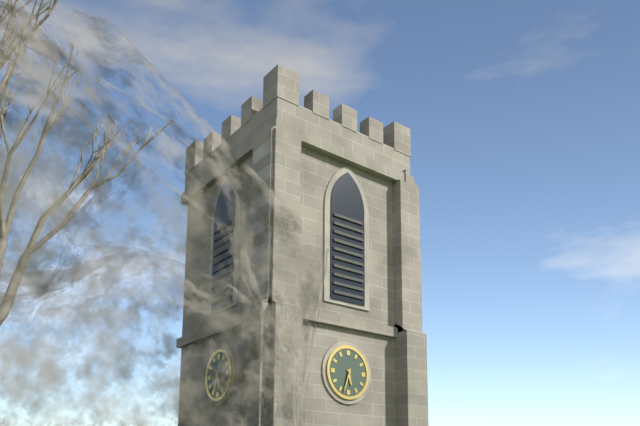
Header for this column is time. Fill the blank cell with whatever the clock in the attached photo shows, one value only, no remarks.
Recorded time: 5:33
